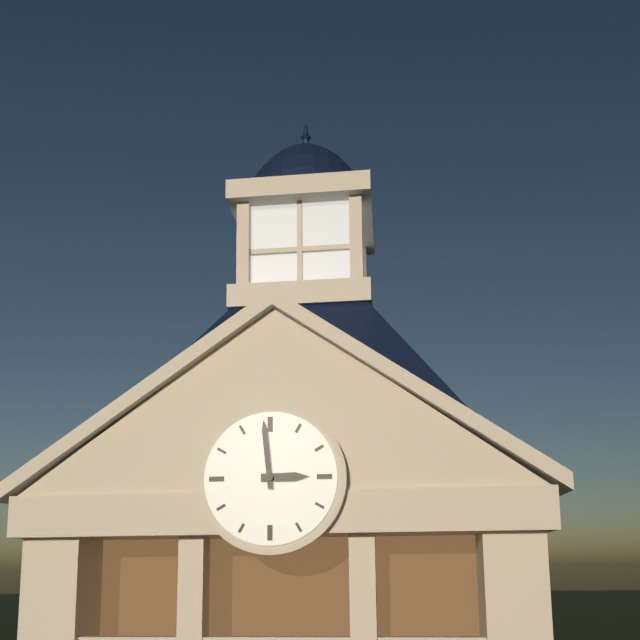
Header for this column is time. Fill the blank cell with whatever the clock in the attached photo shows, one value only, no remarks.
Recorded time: 2:59
